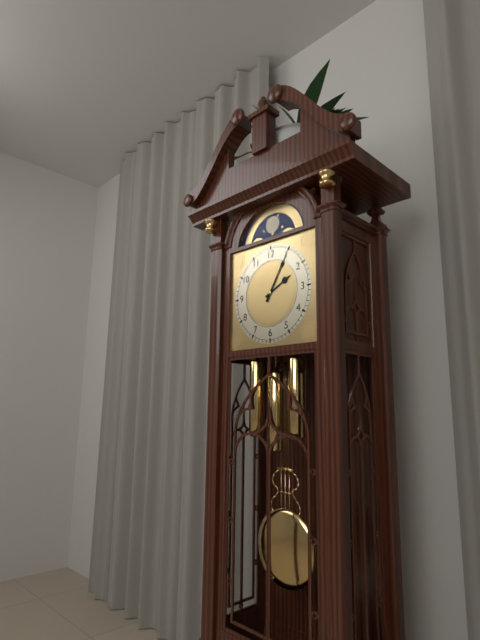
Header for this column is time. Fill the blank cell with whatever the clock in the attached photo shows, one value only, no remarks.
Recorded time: 2:05
